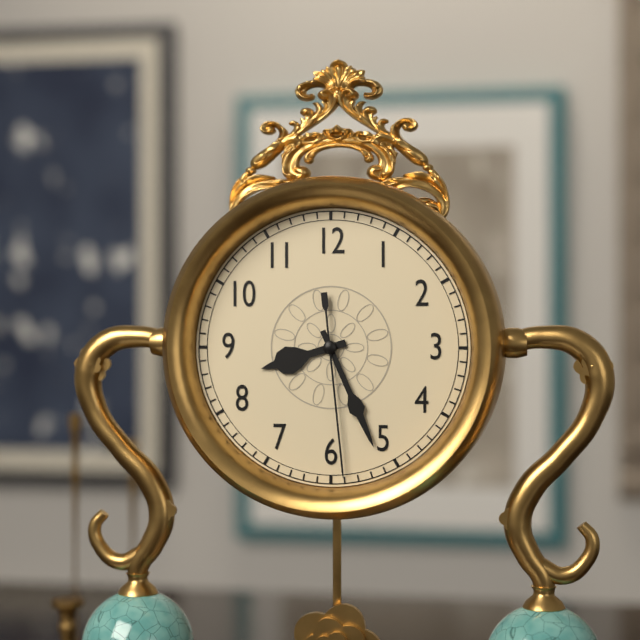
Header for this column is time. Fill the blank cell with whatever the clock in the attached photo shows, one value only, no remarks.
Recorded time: 8:26:29
